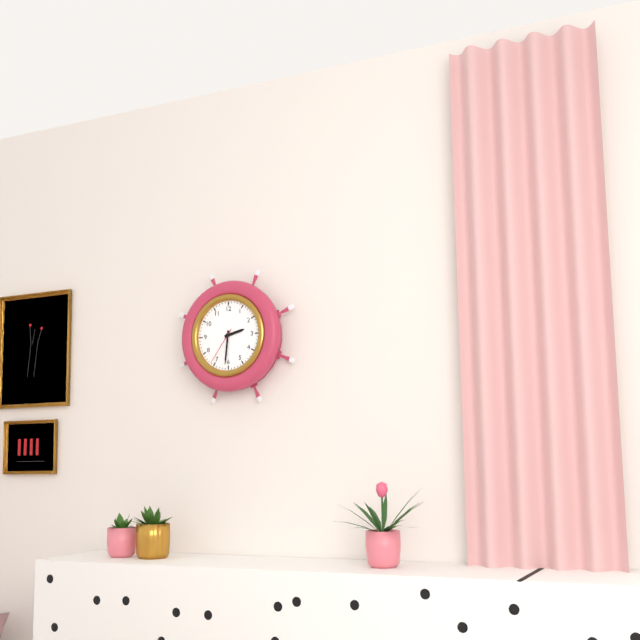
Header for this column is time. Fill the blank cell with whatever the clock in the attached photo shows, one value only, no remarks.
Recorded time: 2:31
